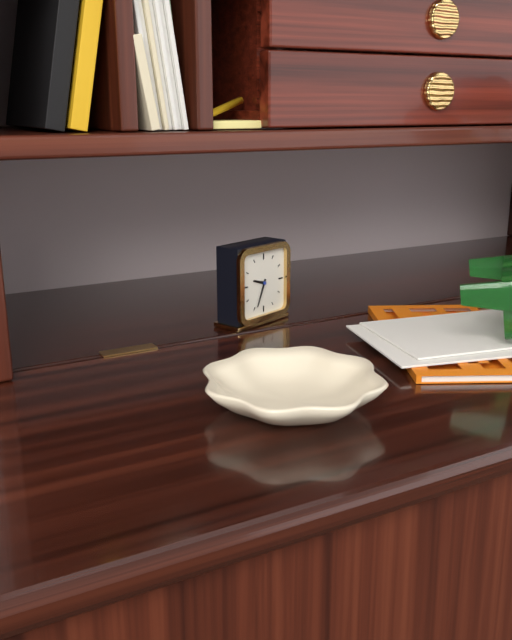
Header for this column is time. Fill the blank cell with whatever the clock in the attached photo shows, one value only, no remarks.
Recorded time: 9:34
